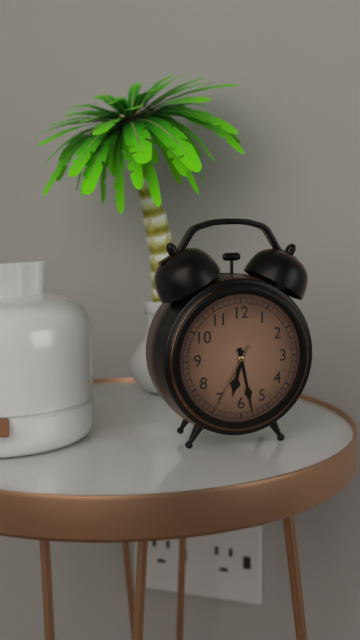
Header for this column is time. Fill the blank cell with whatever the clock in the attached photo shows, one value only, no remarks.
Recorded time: 6:28:35
